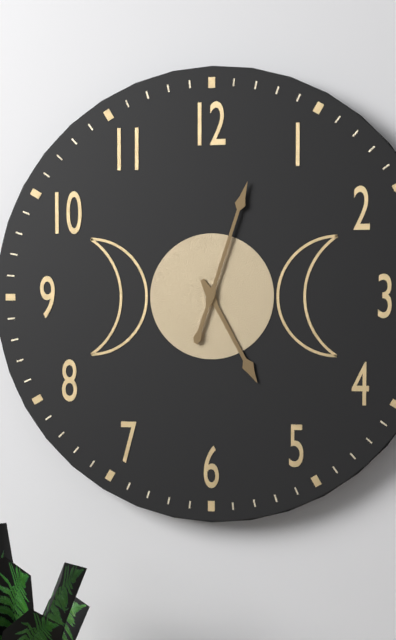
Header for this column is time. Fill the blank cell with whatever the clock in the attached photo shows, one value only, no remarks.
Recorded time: 5:03
